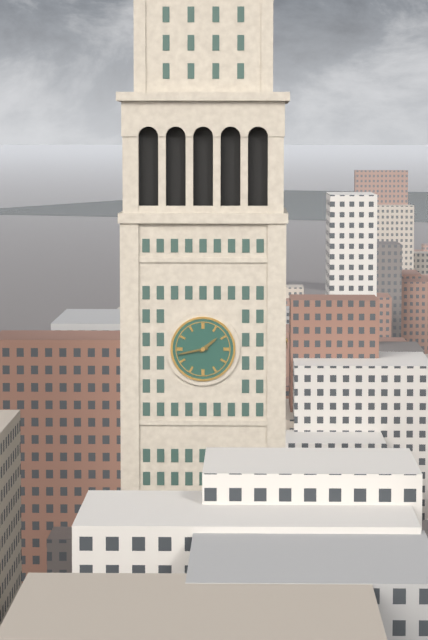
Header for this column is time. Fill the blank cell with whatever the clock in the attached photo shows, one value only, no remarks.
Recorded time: 1:43
